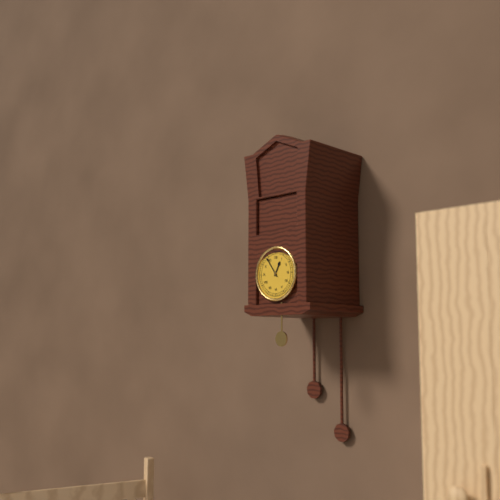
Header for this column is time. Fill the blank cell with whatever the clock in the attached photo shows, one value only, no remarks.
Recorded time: 12:54
